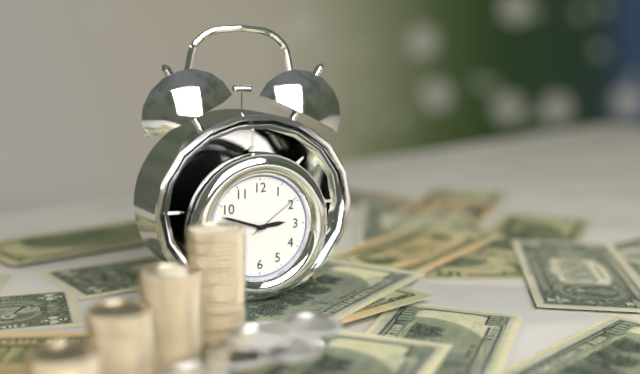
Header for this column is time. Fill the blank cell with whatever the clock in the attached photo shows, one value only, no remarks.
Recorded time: 2:48:09
